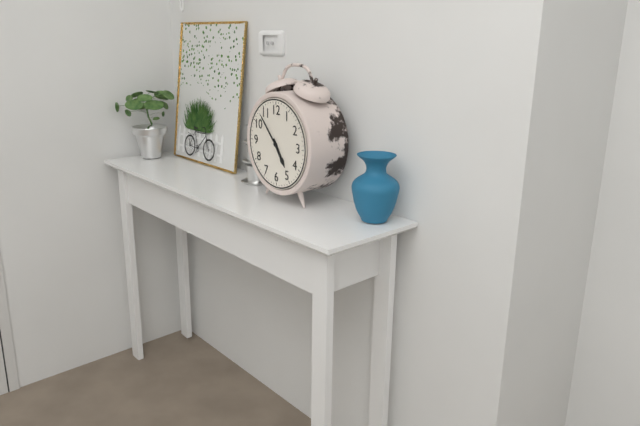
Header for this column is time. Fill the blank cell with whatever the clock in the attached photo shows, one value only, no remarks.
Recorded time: 4:53
